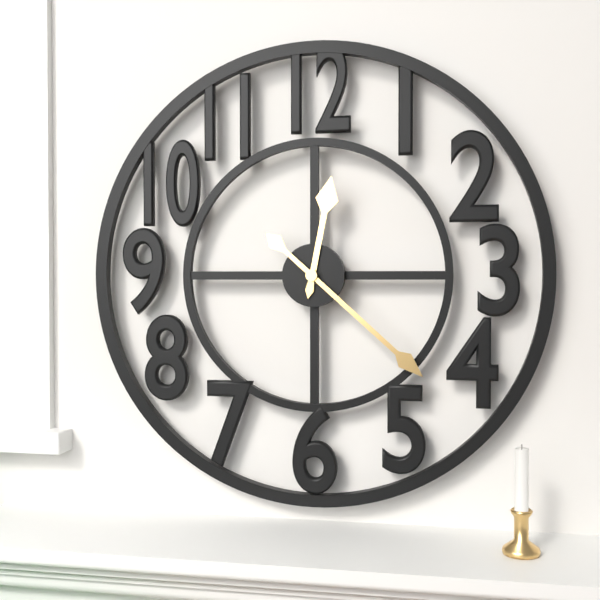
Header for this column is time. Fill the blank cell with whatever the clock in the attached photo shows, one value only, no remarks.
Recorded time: 12:22
